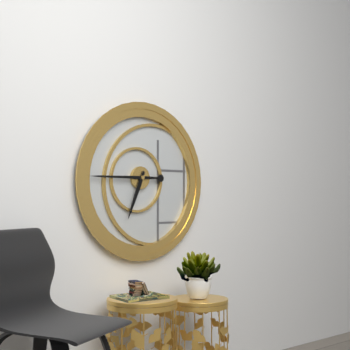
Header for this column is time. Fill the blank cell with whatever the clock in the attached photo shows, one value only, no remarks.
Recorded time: 6:45
